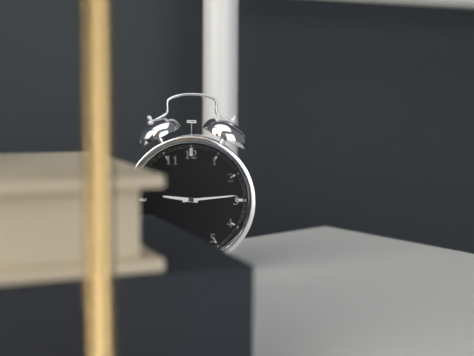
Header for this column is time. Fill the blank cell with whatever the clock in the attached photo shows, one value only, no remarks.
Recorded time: 9:14
